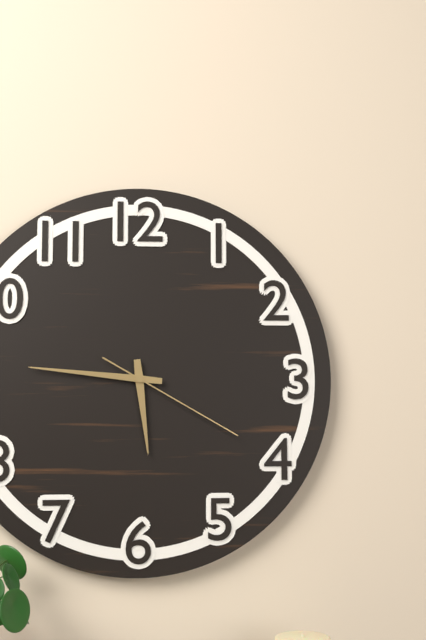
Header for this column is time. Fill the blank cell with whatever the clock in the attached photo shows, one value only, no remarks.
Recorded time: 5:46:20
